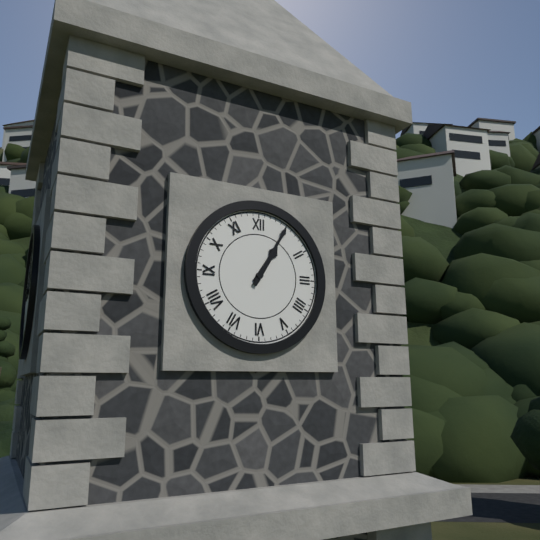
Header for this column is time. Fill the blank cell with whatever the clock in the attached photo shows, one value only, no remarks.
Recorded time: 1:05
